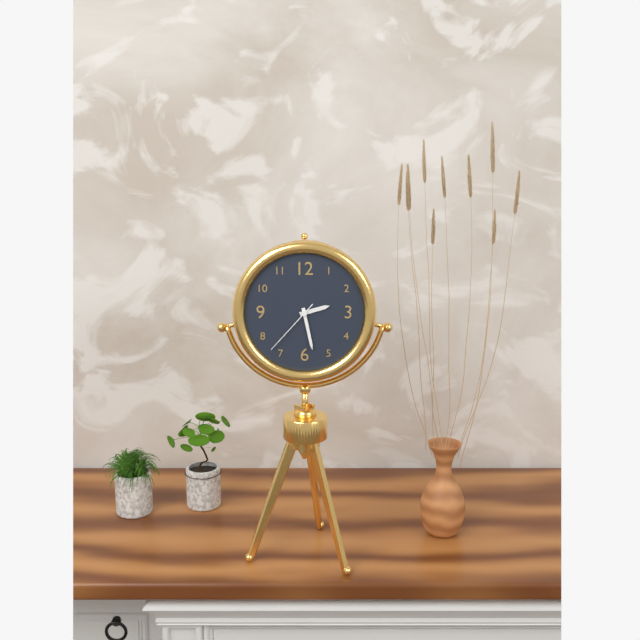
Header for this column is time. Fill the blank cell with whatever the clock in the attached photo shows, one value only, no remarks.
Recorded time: 2:28:37
